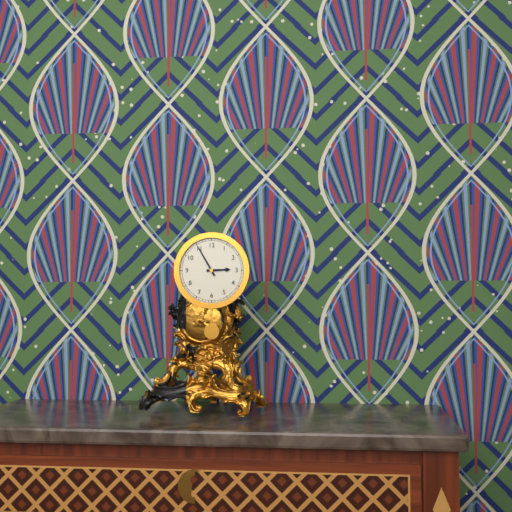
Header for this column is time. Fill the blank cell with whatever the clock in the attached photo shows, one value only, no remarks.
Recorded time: 2:55
